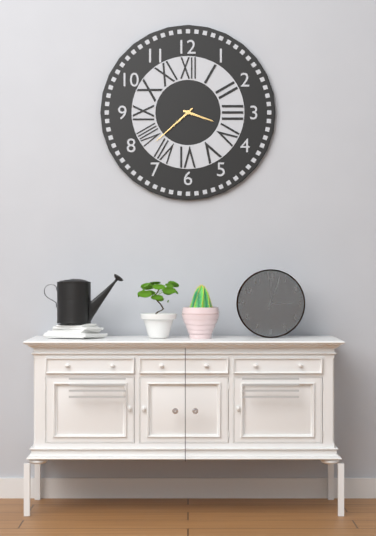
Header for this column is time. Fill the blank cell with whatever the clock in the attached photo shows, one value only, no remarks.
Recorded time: 3:38
